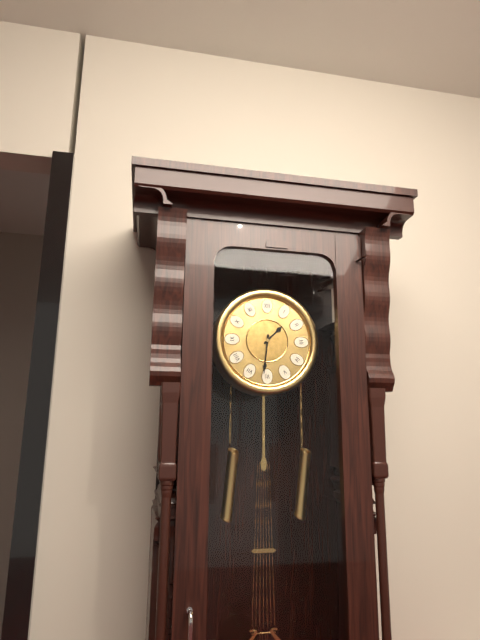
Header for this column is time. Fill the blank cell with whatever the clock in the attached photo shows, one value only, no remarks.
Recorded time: 1:31
